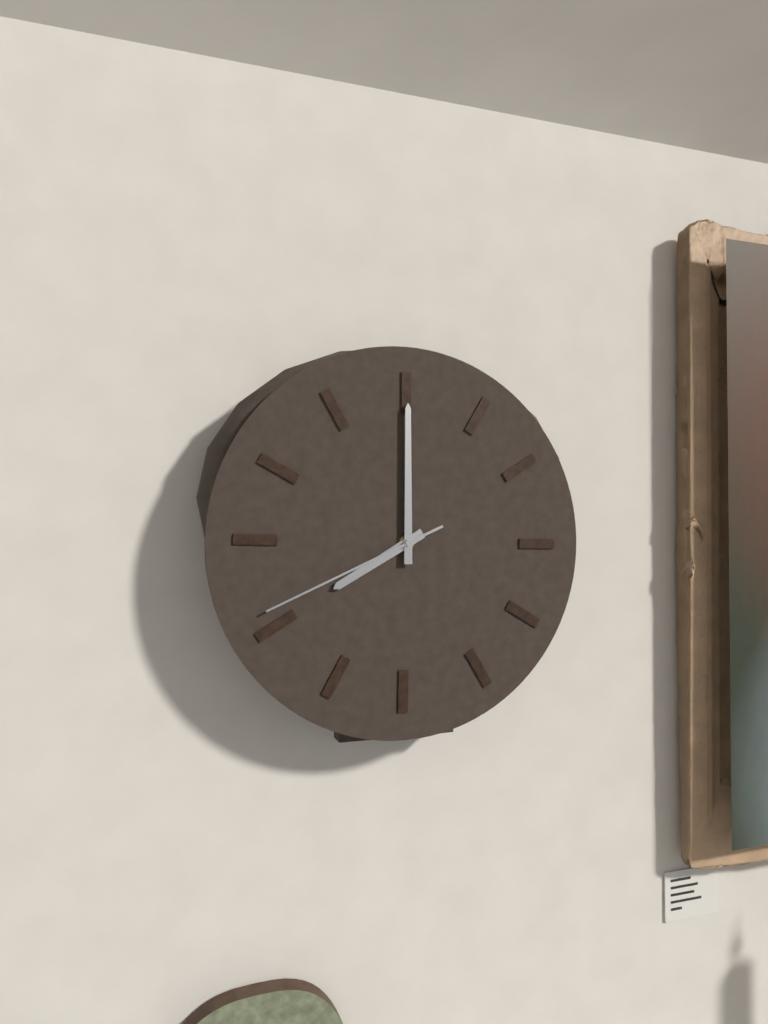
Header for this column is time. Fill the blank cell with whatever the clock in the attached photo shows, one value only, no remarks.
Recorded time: 8:00:41
